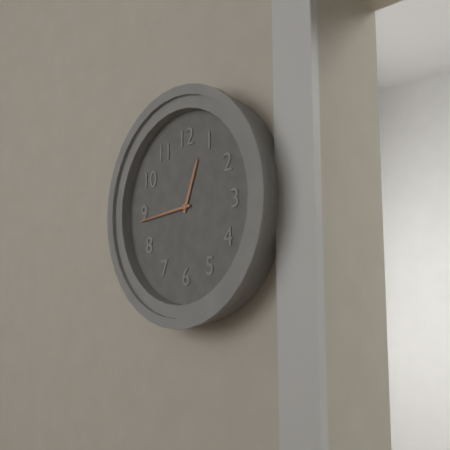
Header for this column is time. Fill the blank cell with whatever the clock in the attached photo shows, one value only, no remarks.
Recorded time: 12:44
